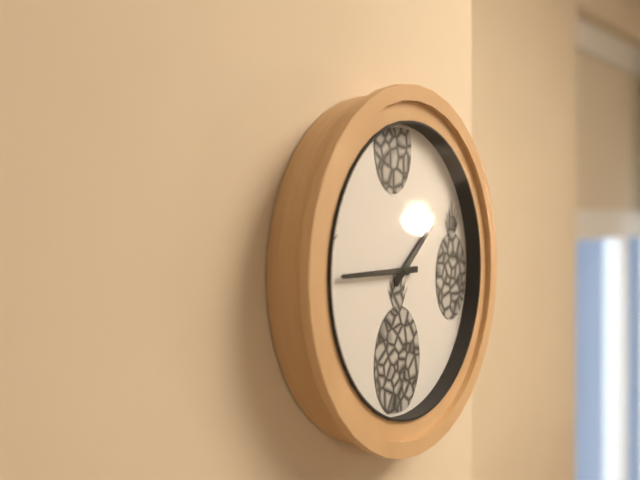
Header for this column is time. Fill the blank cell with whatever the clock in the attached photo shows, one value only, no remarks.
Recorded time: 1:45
